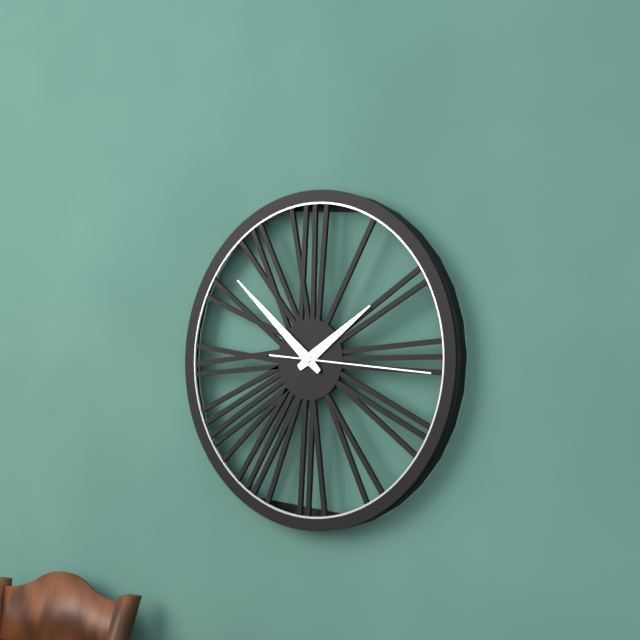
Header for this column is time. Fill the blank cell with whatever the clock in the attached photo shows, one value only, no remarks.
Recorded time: 1:52:16
